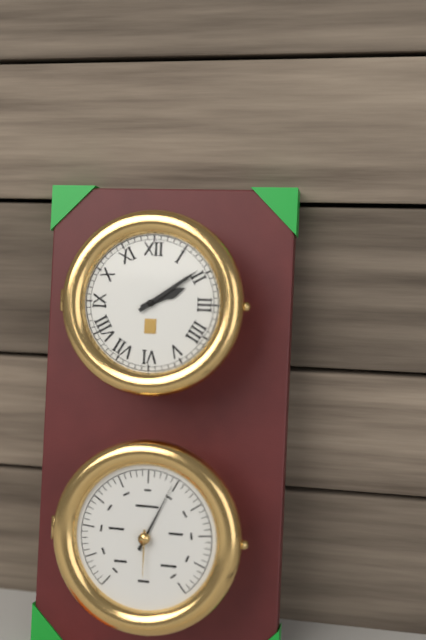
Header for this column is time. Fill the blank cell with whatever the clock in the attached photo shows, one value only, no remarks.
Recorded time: 2:09
